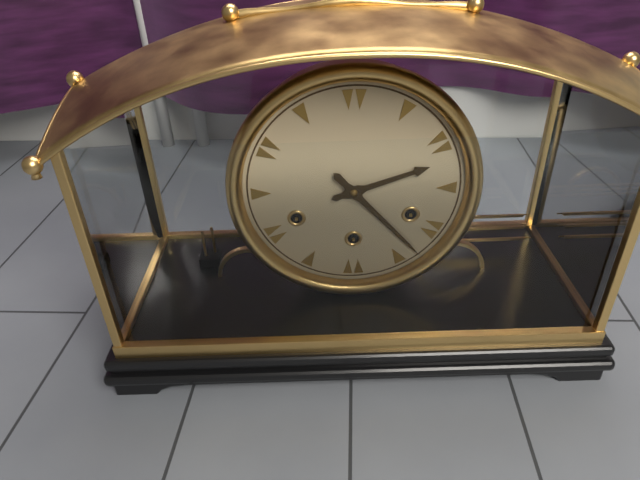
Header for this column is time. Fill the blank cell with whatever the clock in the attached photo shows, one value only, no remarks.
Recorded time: 2:23
